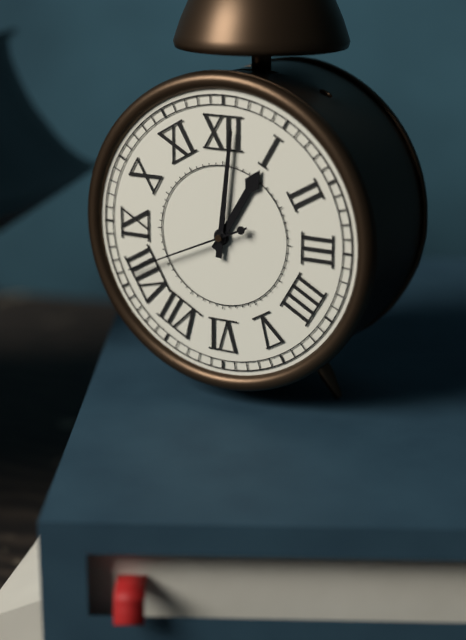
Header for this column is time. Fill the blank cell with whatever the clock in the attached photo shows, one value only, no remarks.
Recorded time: 1:01:41
